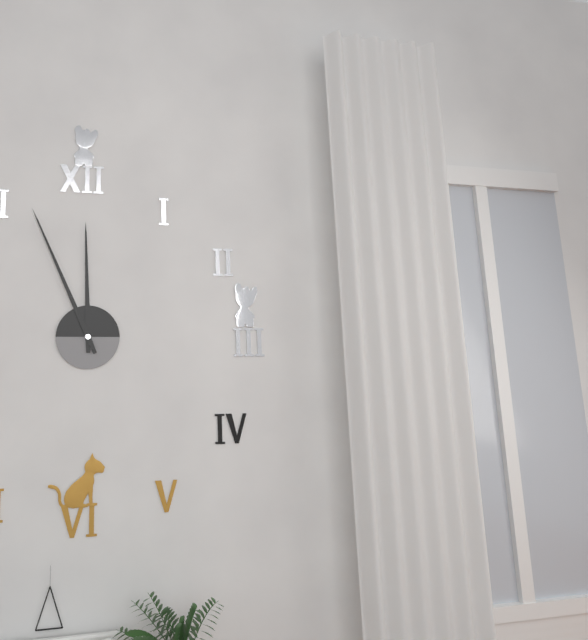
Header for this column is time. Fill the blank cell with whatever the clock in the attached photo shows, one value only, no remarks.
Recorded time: 11:56
